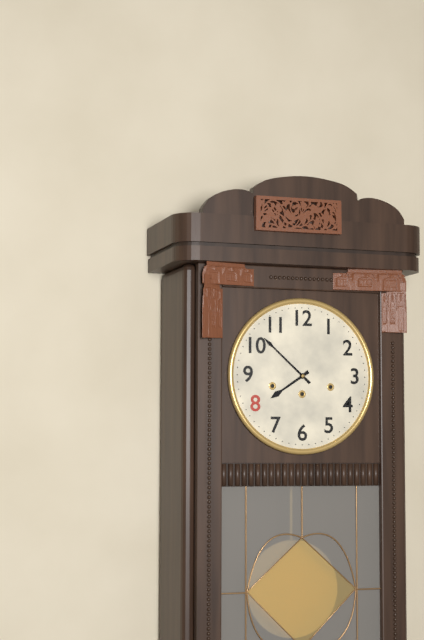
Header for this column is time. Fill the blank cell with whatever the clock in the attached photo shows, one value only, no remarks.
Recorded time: 7:52
